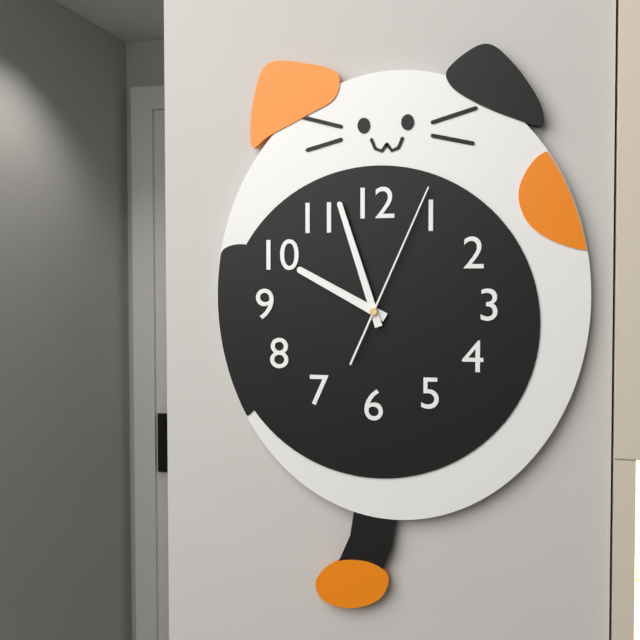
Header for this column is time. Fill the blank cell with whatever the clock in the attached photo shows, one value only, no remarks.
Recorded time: 9:57:04
